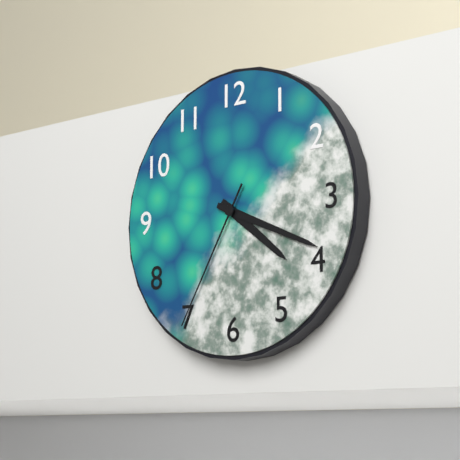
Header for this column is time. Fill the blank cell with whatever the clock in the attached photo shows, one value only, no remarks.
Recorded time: 4:19:35
